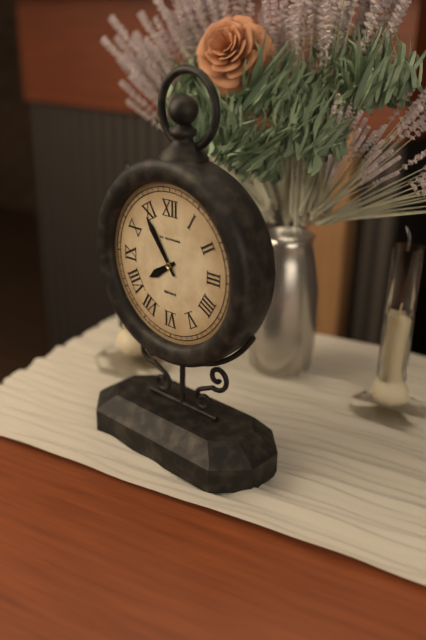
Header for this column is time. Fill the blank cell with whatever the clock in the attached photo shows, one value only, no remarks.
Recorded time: 7:54
